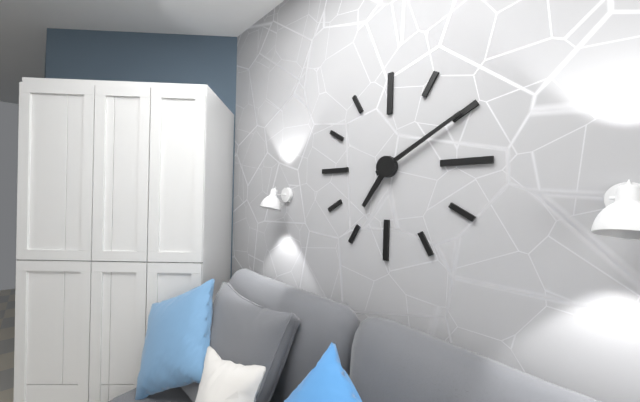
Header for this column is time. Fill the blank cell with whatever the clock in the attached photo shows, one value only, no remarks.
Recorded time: 7:10
